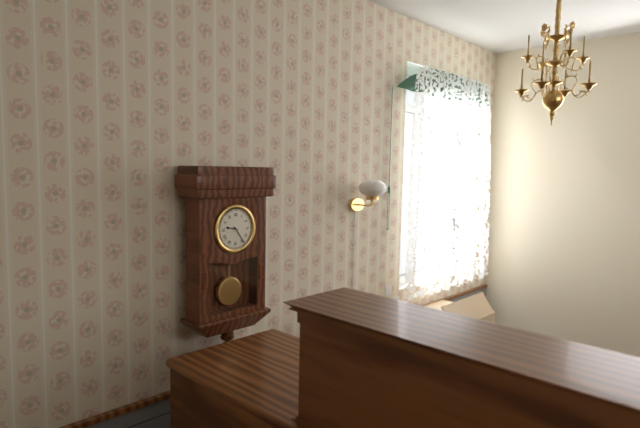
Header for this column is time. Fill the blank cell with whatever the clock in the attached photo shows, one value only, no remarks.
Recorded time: 9:24
